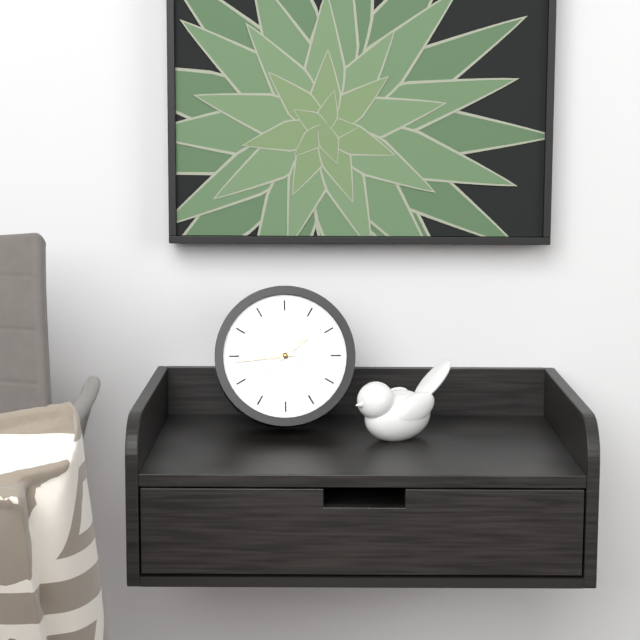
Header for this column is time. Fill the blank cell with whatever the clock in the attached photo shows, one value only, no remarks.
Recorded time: 1:44
